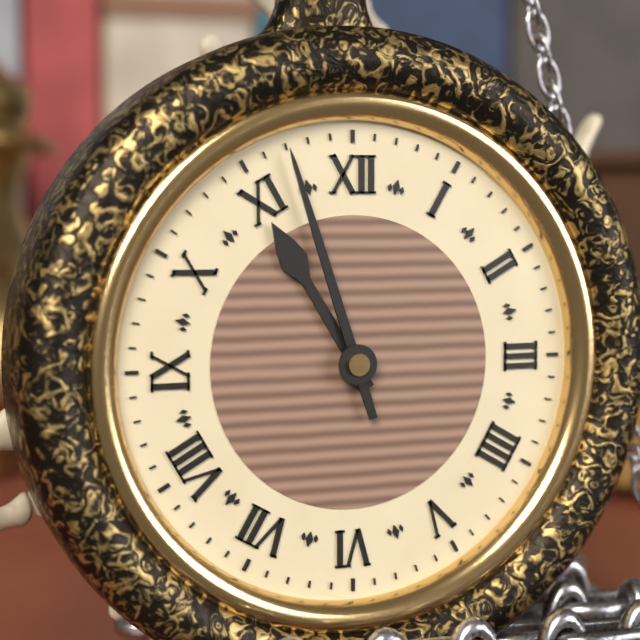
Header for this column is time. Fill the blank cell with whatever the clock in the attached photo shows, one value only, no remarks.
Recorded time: 10:57
